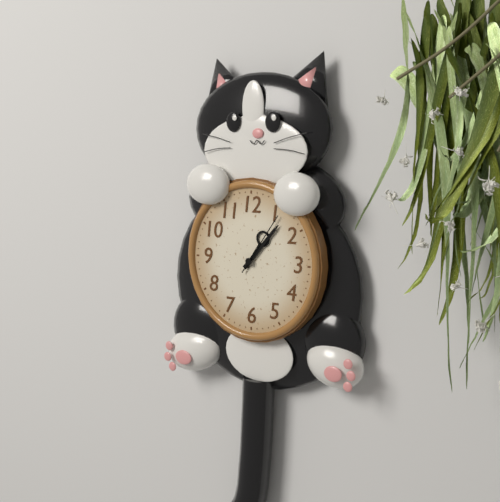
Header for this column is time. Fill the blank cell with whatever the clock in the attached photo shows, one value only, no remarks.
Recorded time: 1:07:06
